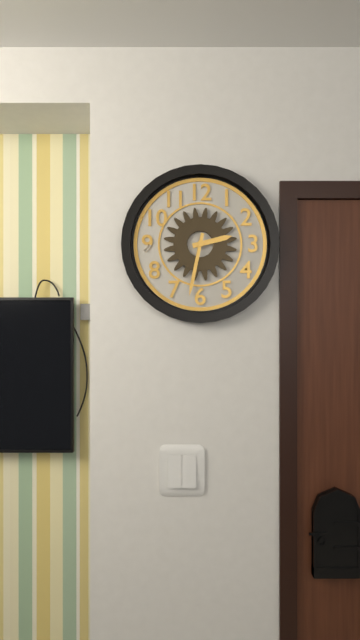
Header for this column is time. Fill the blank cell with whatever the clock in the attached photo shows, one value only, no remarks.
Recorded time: 2:32
